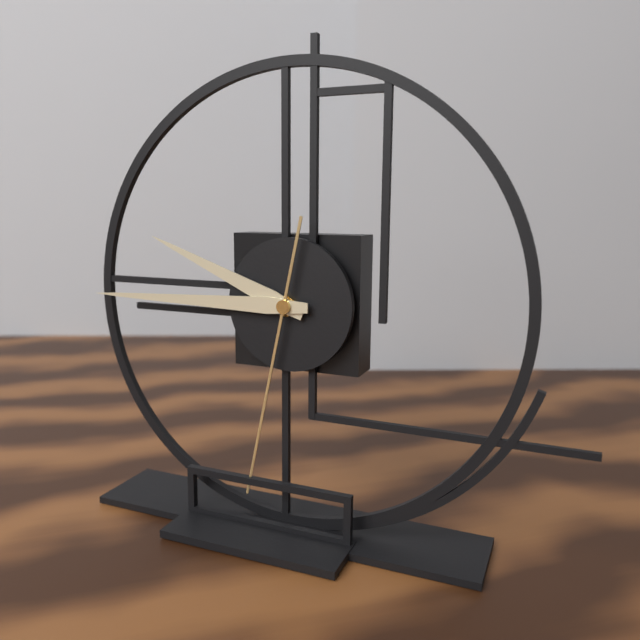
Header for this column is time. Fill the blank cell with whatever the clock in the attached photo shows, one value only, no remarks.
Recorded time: 9:45:32
